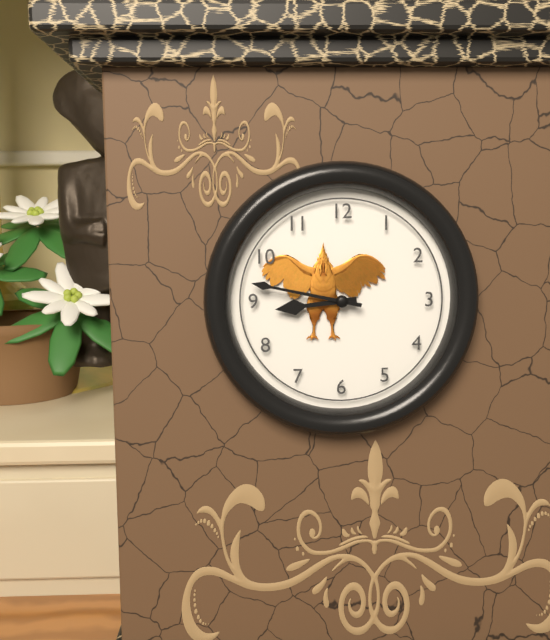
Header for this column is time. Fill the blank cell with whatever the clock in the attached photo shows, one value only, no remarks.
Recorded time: 8:47
